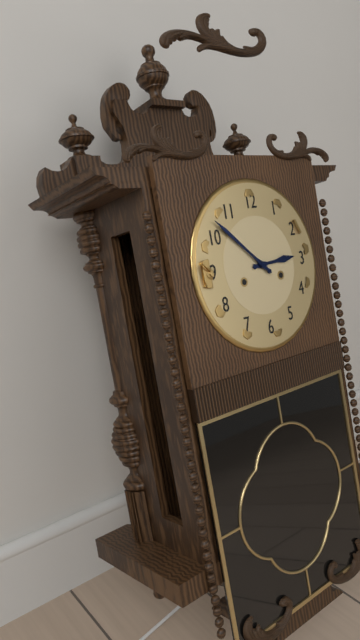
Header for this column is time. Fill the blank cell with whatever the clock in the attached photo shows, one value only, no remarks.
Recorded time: 2:52
